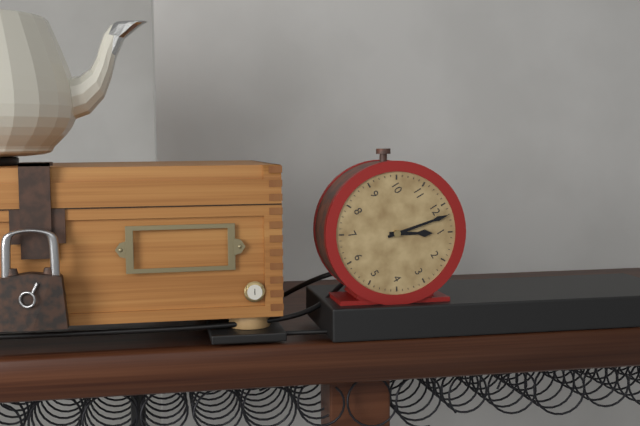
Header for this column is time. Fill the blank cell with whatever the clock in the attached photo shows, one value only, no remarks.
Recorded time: 1:02
